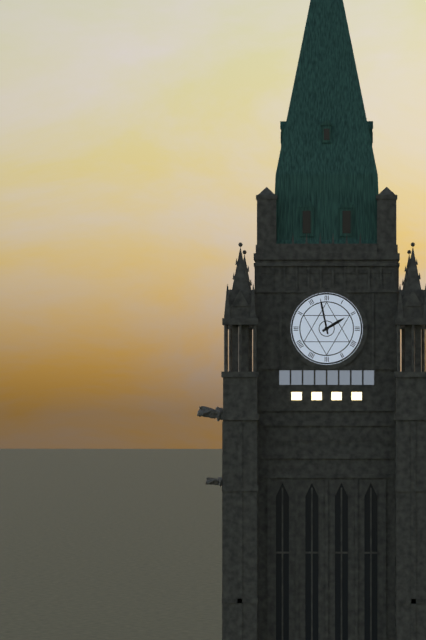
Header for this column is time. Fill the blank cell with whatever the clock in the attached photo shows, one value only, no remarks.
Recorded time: 1:58
